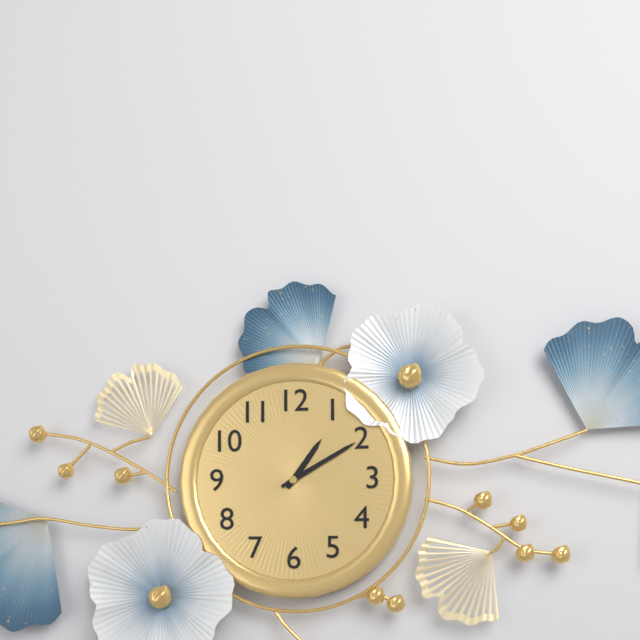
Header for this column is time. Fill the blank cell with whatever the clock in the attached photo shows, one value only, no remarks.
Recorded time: 1:10
